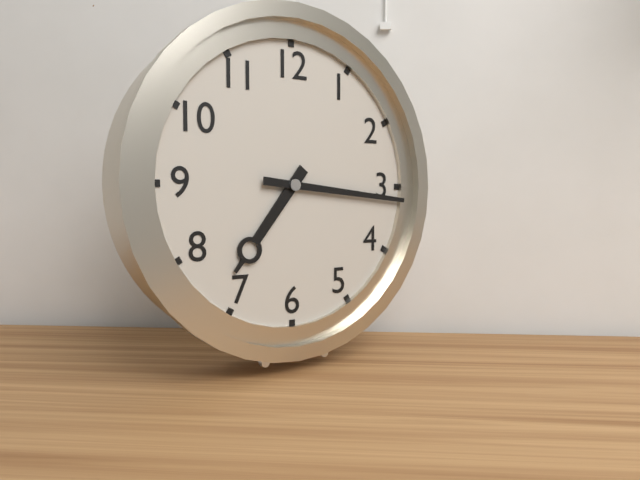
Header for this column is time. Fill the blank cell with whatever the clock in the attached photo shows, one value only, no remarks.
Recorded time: 7:16
